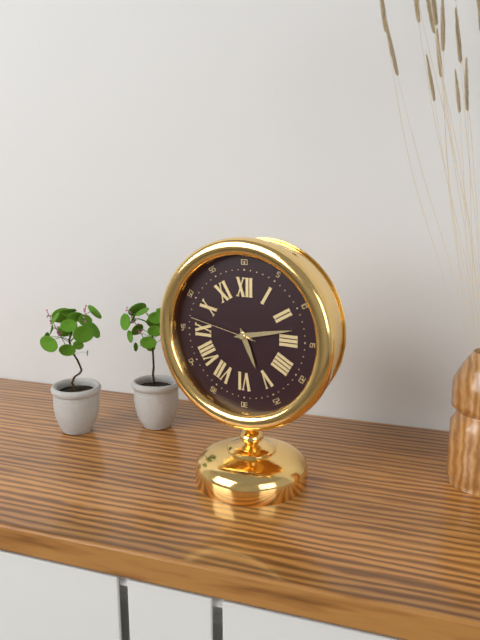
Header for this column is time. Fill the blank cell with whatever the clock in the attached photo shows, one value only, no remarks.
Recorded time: 5:13:47
